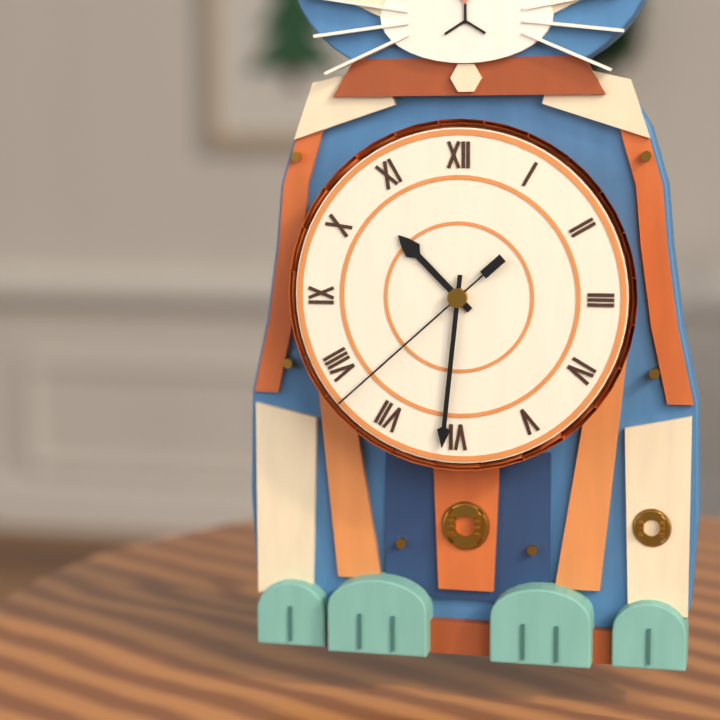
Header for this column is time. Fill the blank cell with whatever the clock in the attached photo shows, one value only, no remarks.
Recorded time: 10:31:38
